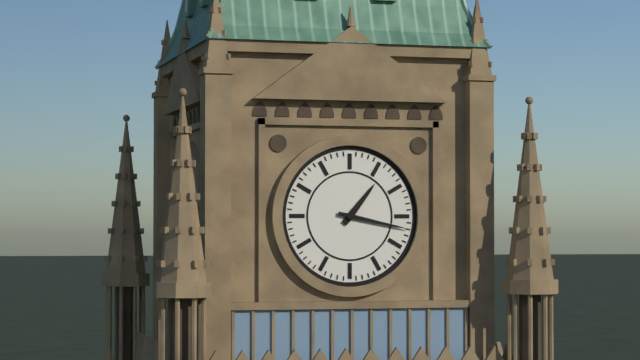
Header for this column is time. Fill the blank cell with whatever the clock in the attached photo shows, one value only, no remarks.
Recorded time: 1:17
